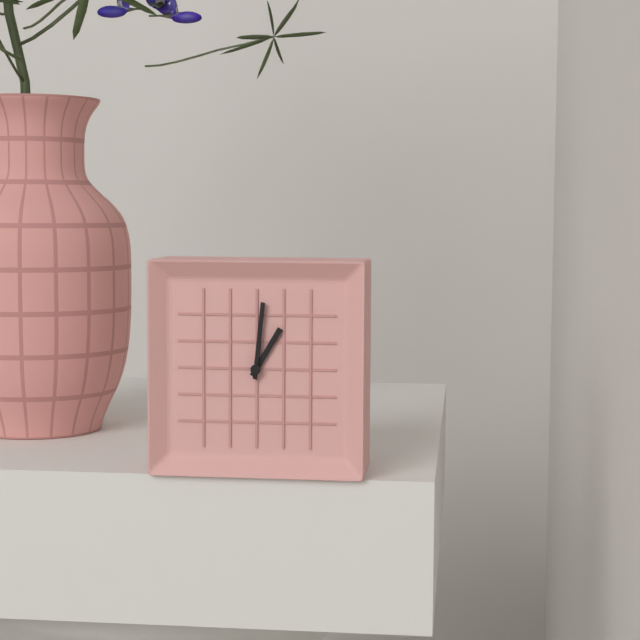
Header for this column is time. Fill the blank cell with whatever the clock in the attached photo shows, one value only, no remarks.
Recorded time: 1:01
